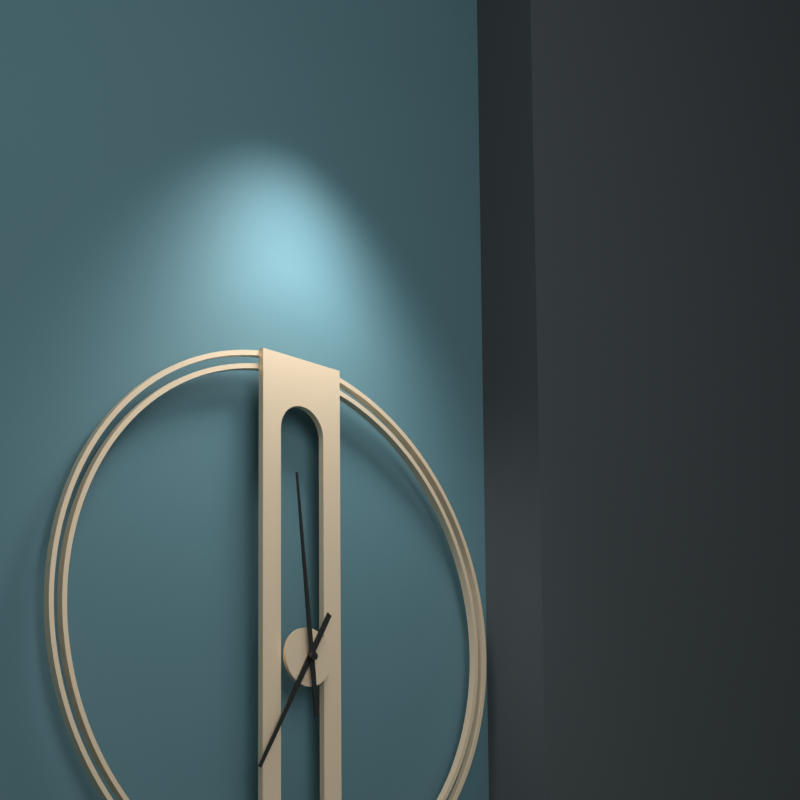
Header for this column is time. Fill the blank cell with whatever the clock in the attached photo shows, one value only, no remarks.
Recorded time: 6:59
